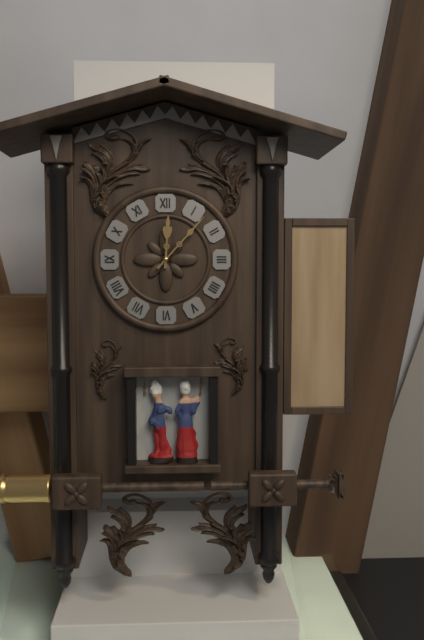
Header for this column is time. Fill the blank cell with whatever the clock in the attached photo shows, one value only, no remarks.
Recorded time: 12:07
